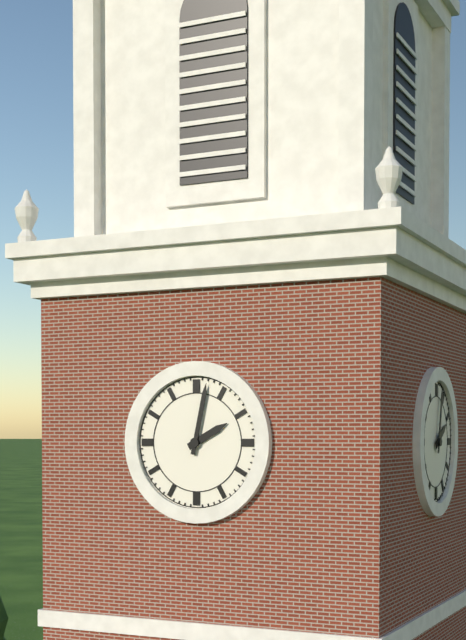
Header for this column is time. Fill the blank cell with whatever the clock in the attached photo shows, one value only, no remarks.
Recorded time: 2:02
